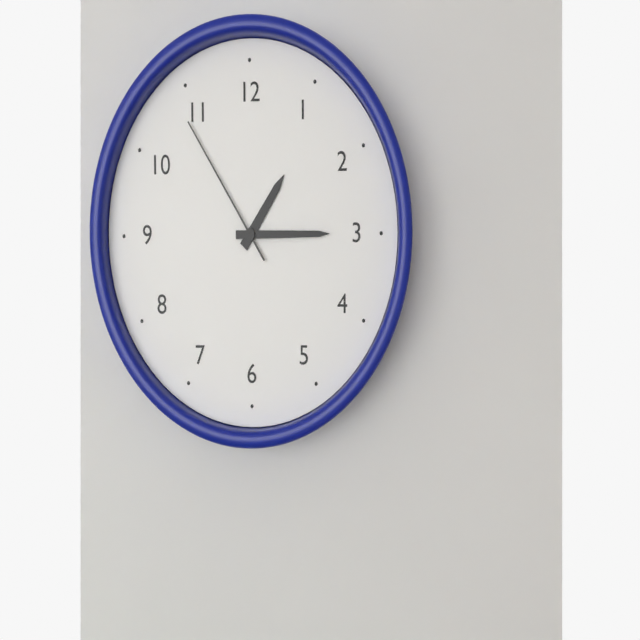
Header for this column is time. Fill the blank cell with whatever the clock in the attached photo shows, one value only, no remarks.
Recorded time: 1:15:54
